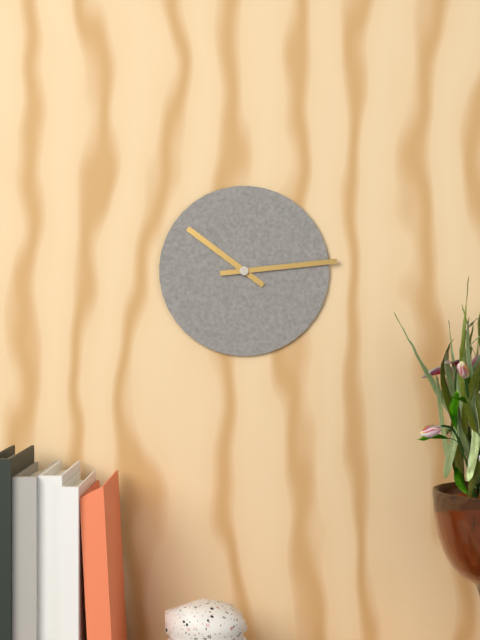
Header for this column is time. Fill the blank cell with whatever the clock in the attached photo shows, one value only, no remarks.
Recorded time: 10:14
